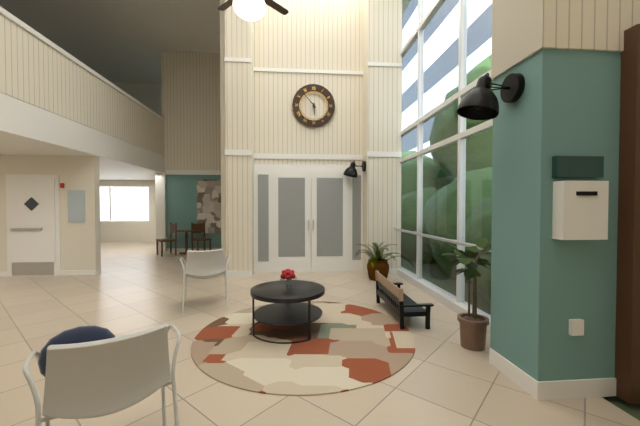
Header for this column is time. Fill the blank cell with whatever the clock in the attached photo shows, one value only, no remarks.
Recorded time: 5:53
